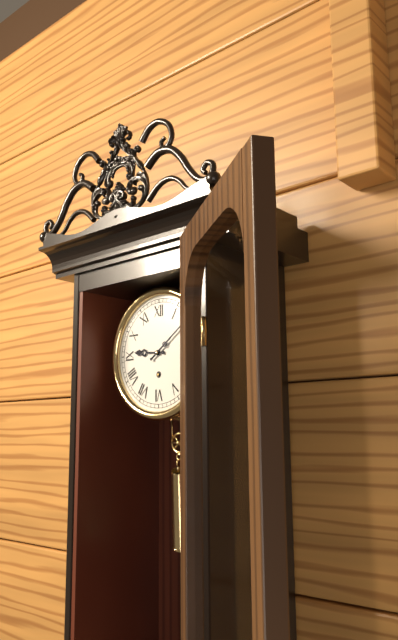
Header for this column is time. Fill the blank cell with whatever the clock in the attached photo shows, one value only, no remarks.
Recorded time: 9:09
